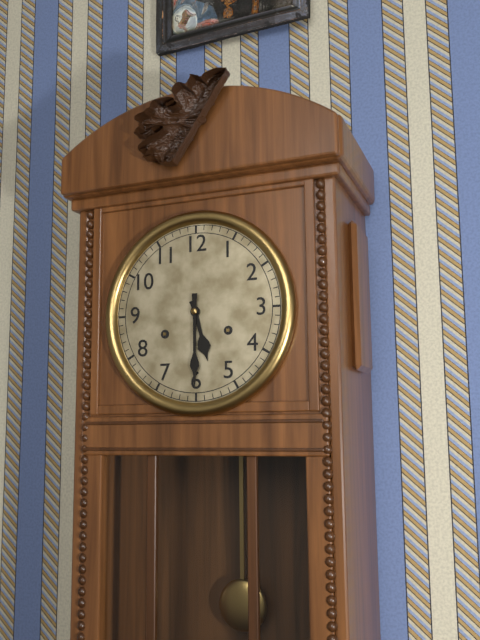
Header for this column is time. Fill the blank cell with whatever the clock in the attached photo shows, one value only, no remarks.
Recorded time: 5:30
